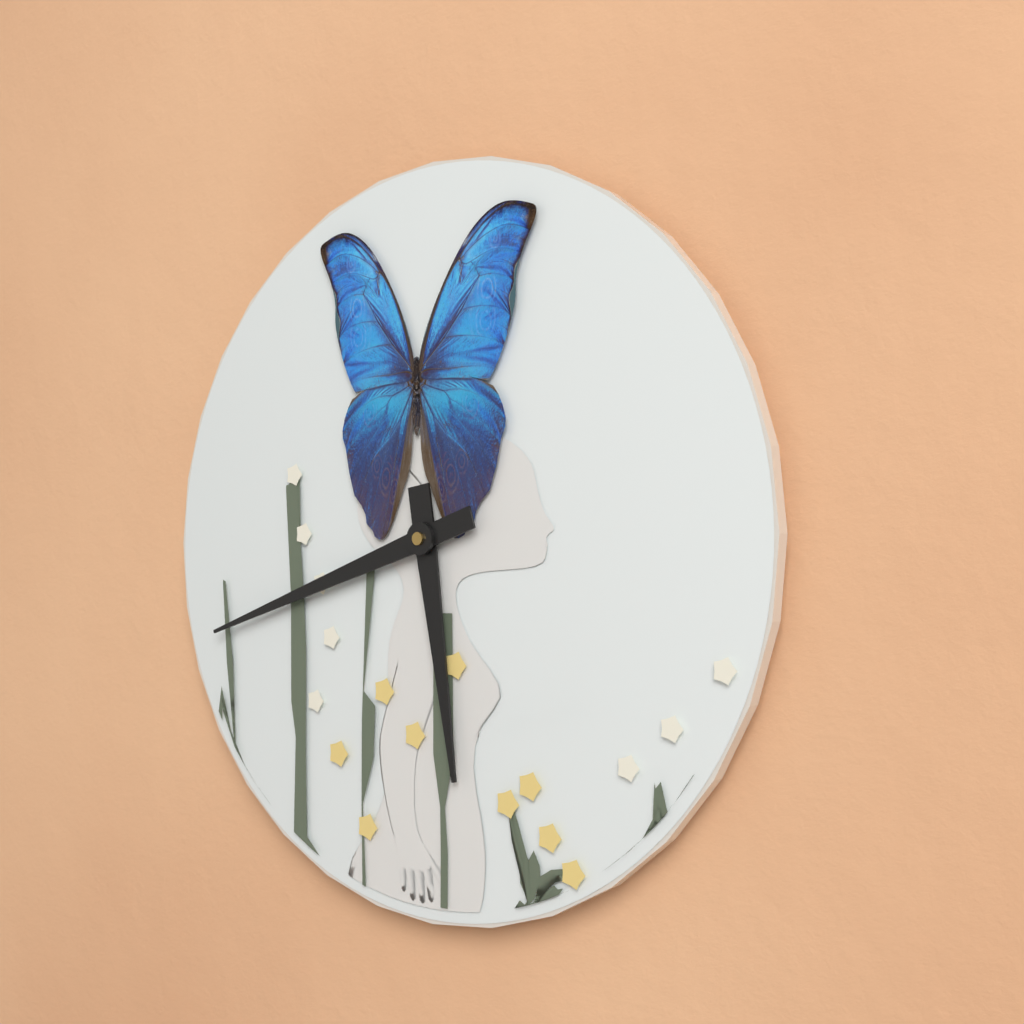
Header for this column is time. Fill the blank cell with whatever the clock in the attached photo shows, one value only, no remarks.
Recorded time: 5:42
